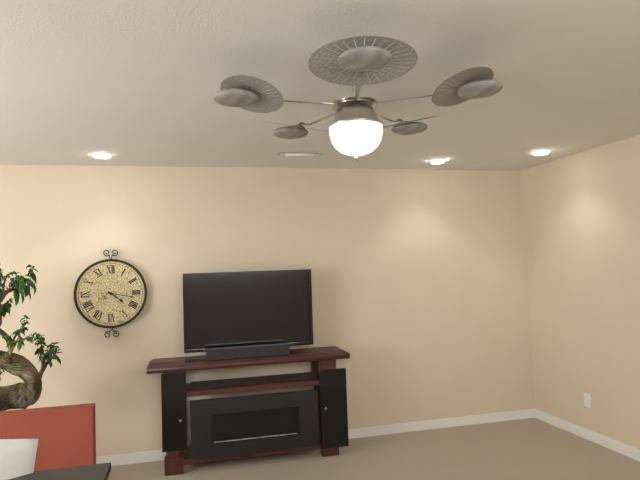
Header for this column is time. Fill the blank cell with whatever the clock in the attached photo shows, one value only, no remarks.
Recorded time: 4:17
